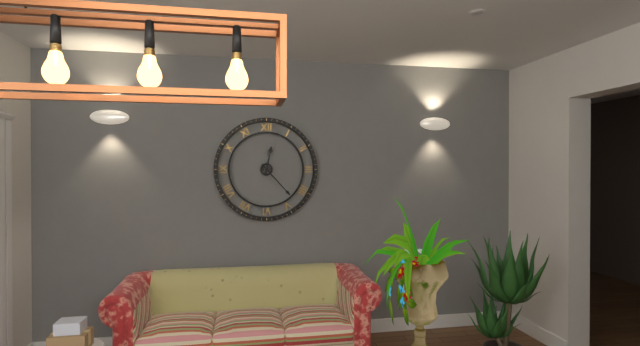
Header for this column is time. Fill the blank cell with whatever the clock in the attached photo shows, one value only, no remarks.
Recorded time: 12:23
